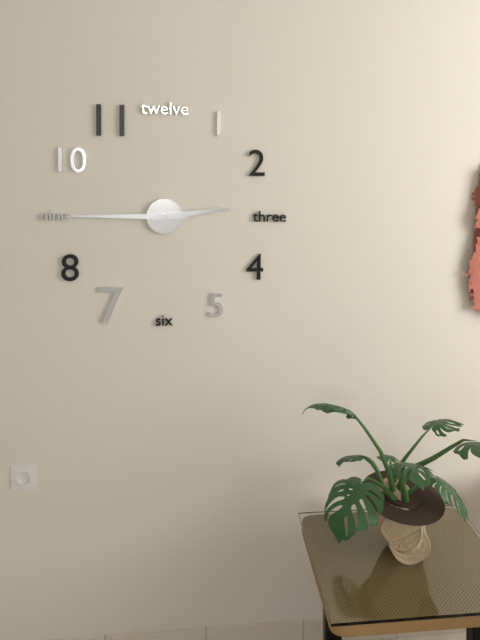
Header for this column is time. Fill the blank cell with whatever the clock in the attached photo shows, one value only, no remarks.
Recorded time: 2:45
